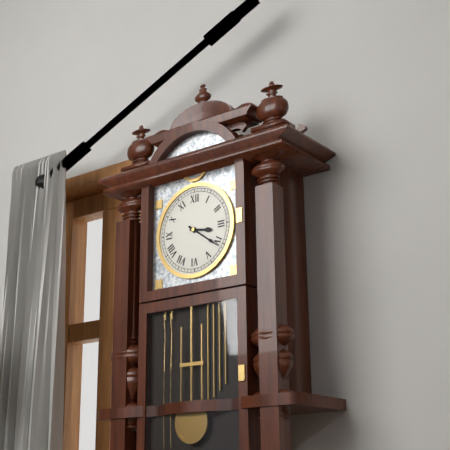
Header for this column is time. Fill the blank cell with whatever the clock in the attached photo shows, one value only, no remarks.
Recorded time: 3:21
